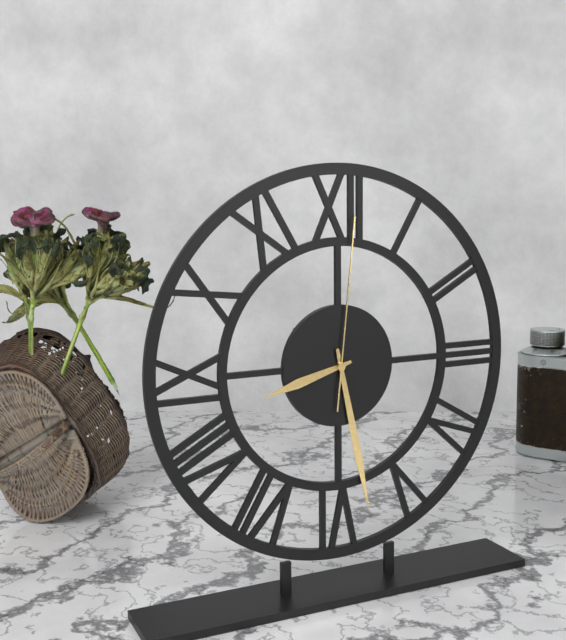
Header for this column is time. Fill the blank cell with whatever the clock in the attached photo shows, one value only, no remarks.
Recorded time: 8:28:01
